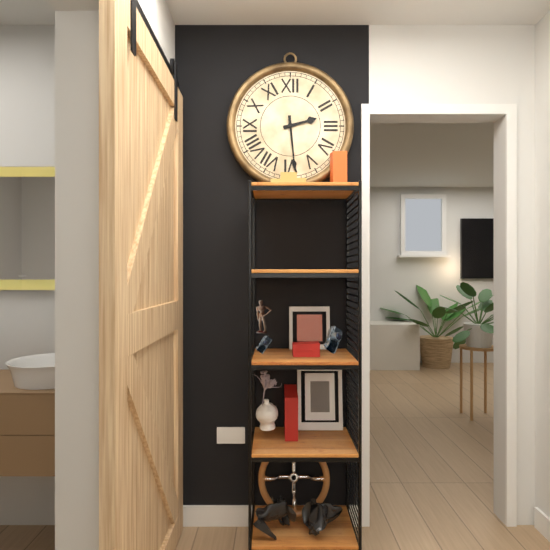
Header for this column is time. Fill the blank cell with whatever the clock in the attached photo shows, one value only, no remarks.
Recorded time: 2:29
